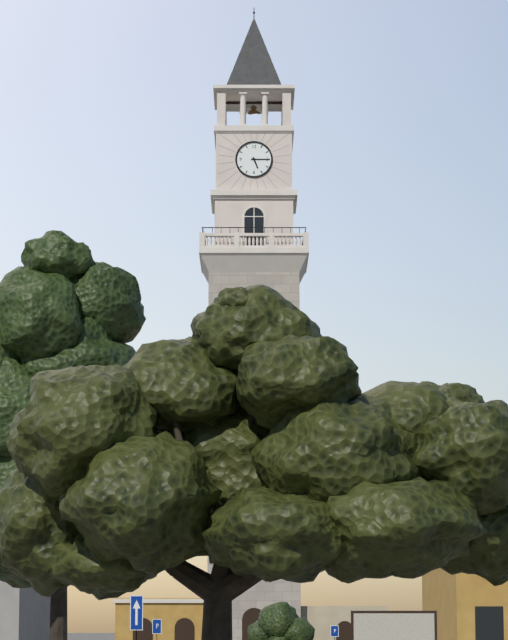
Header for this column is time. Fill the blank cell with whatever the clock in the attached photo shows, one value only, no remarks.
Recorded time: 5:15
